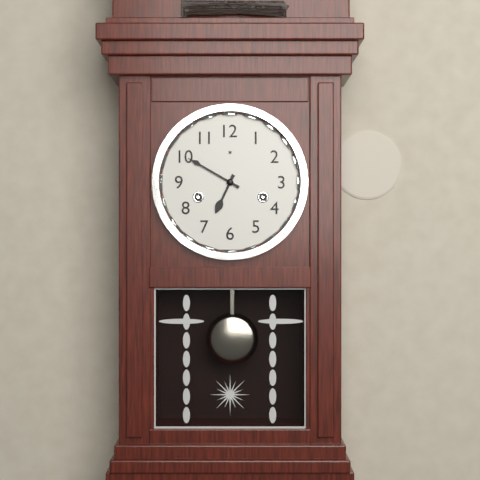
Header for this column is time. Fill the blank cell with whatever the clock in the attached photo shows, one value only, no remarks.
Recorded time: 6:50
